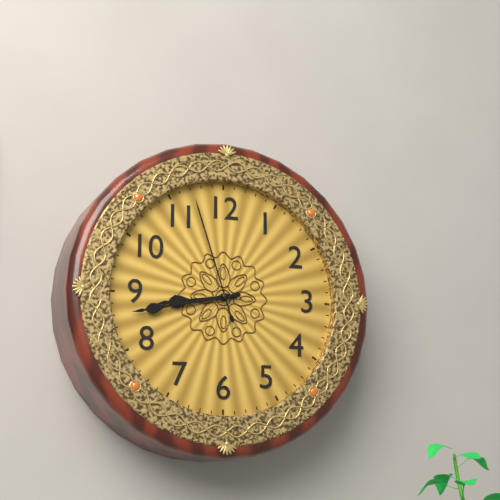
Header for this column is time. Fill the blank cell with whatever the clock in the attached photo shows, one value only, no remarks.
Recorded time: 8:43:57
